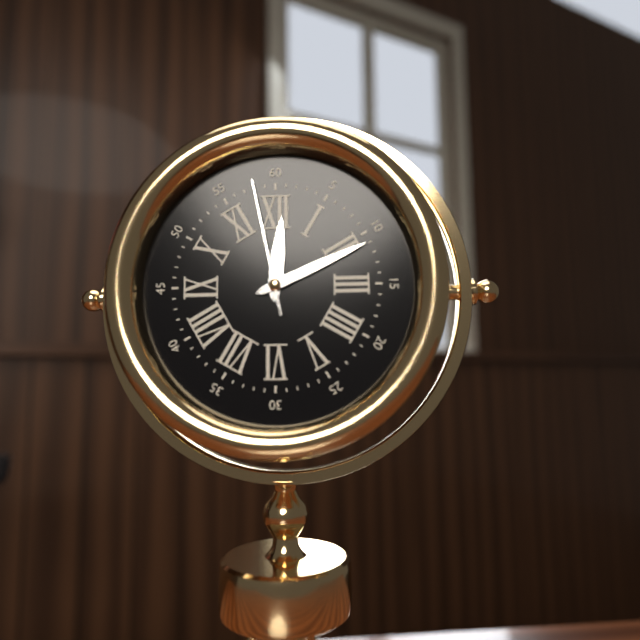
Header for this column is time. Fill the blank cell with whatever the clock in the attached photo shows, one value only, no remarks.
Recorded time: 12:11:58
